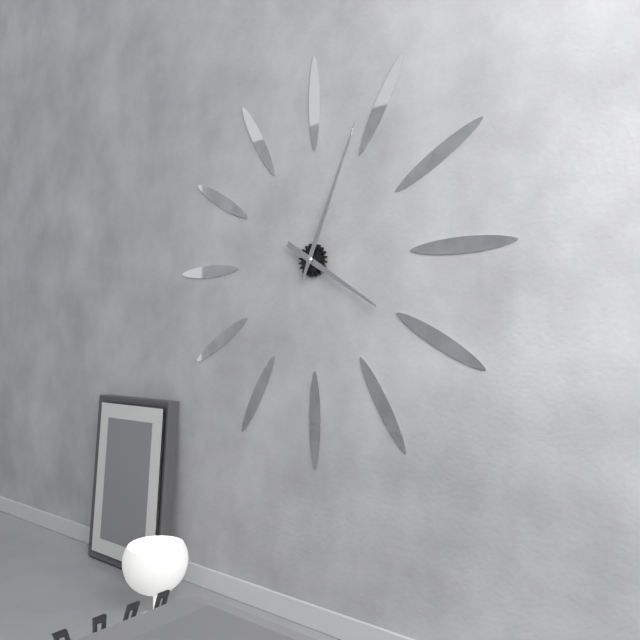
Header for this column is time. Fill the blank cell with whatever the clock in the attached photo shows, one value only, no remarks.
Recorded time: 4:04
